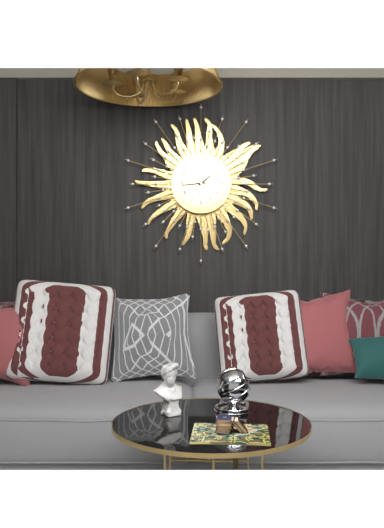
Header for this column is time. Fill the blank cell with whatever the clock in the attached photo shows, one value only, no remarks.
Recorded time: 1:44
